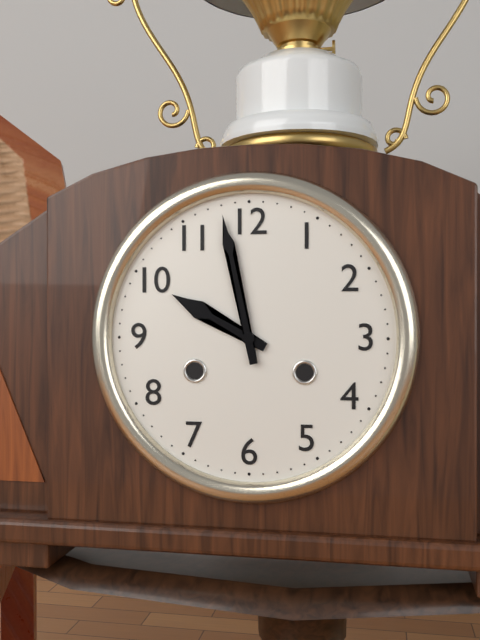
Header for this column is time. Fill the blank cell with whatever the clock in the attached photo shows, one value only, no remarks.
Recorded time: 9:58
